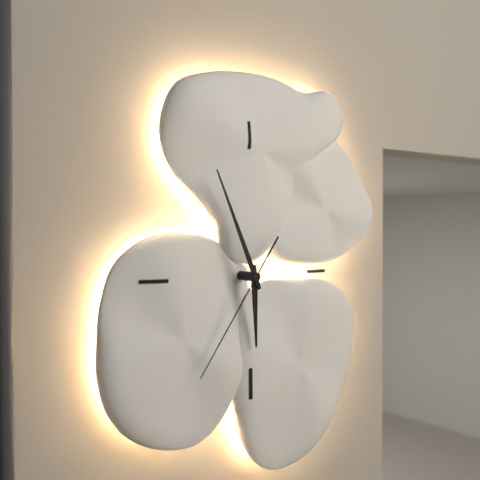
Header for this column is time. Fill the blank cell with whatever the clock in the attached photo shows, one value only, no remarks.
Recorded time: 5:56:36
